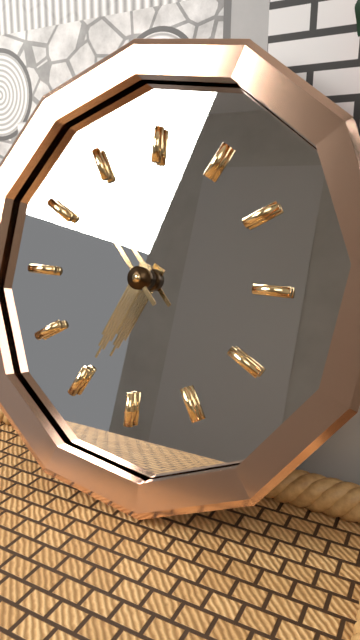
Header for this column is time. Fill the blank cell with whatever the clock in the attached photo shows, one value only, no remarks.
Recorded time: 6:53
